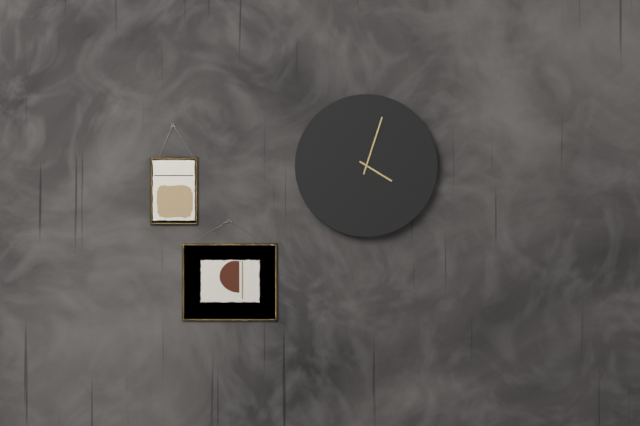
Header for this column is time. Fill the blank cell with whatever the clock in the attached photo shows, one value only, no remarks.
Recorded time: 4:03
